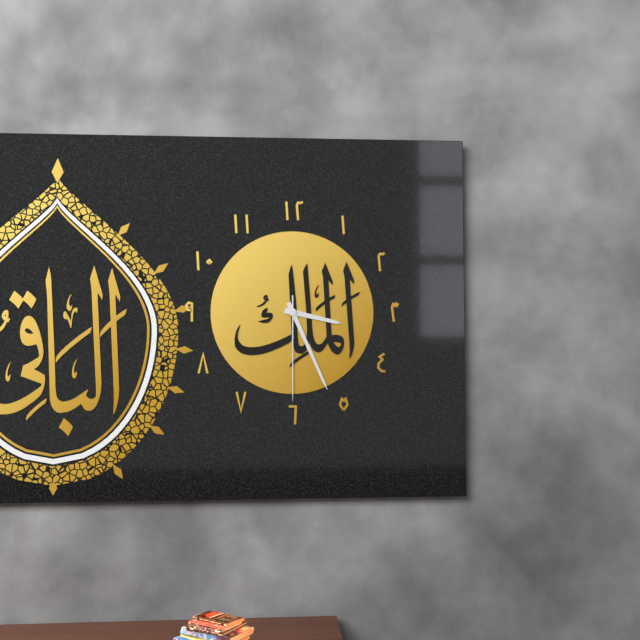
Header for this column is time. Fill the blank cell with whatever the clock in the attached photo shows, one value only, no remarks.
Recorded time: 3:26:30
